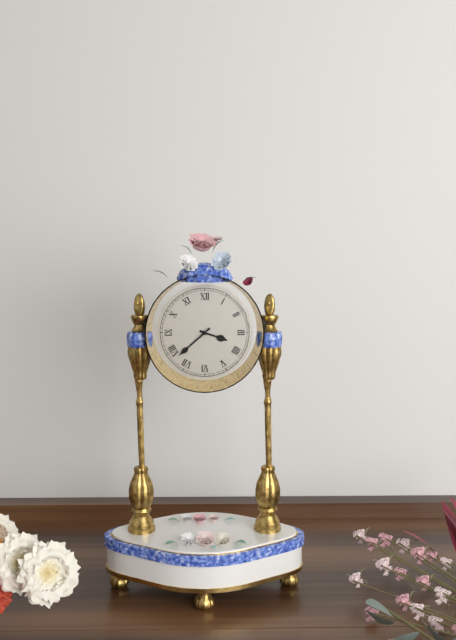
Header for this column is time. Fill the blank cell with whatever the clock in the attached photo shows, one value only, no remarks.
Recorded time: 3:38
